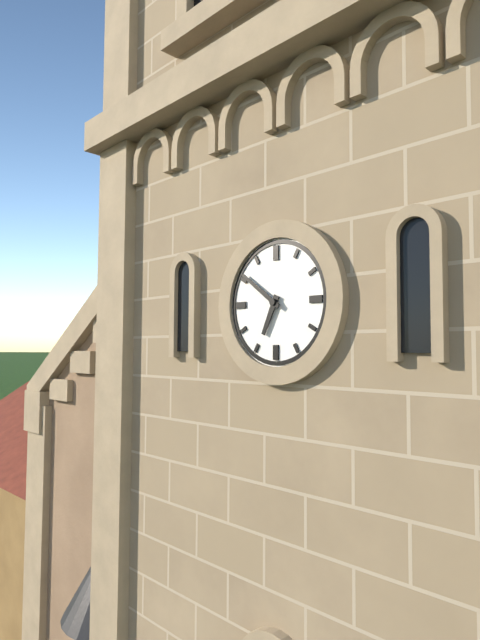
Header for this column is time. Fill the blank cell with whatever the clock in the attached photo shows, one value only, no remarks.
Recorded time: 6:51
